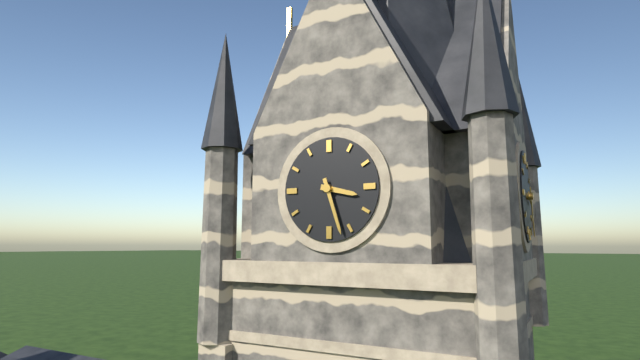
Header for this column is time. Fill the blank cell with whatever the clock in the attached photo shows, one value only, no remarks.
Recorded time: 3:27
